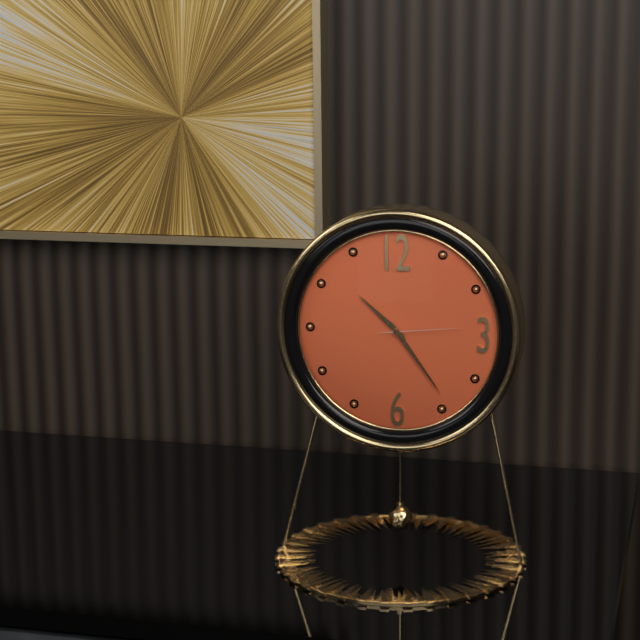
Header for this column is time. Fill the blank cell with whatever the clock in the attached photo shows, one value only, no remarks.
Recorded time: 10:24:14
